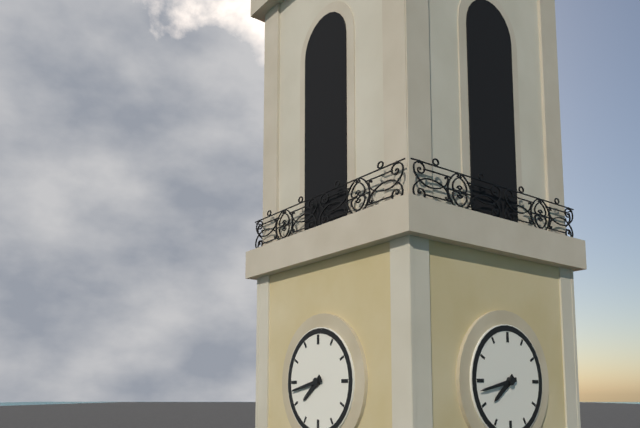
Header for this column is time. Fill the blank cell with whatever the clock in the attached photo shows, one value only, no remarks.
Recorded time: 7:43
